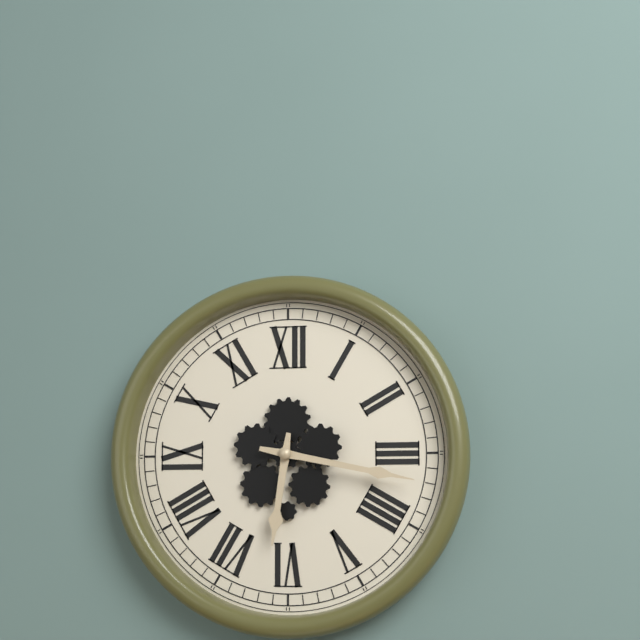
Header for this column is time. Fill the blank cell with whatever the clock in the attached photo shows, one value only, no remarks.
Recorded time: 6:17
